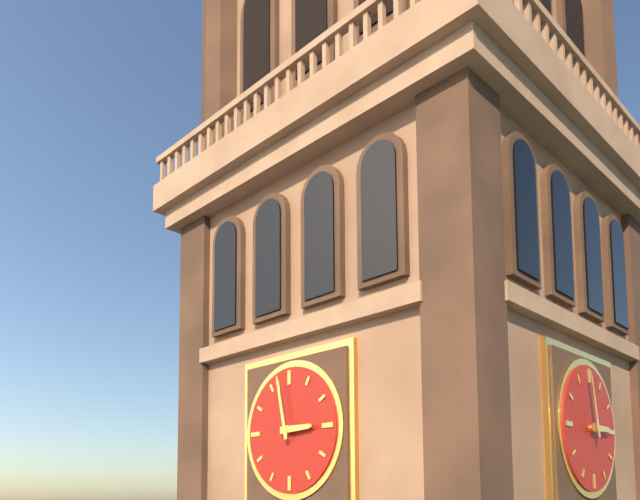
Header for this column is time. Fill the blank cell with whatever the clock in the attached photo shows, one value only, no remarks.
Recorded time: 2:58
